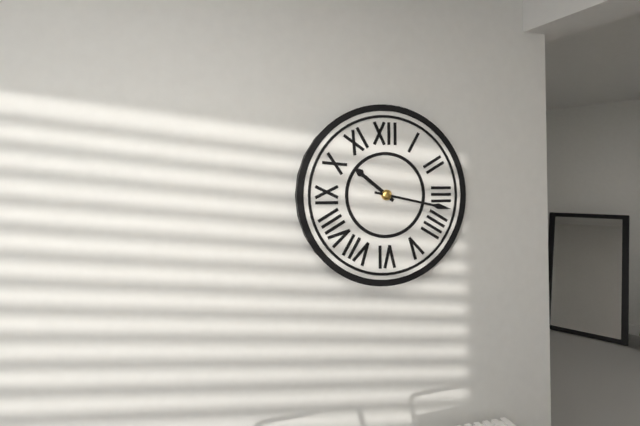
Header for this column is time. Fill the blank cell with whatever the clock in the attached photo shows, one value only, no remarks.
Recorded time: 10:17
